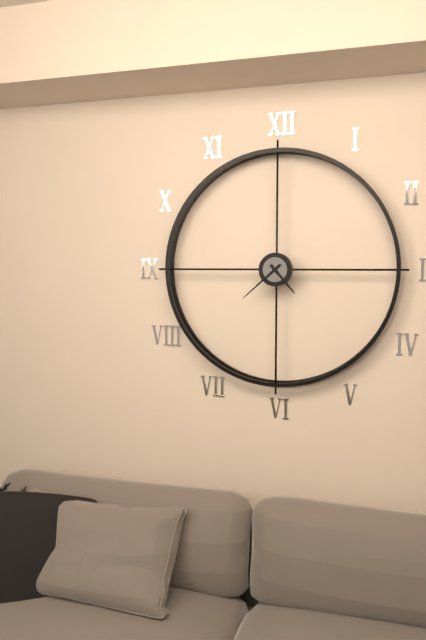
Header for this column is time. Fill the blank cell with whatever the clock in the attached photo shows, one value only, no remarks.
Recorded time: 4:38
